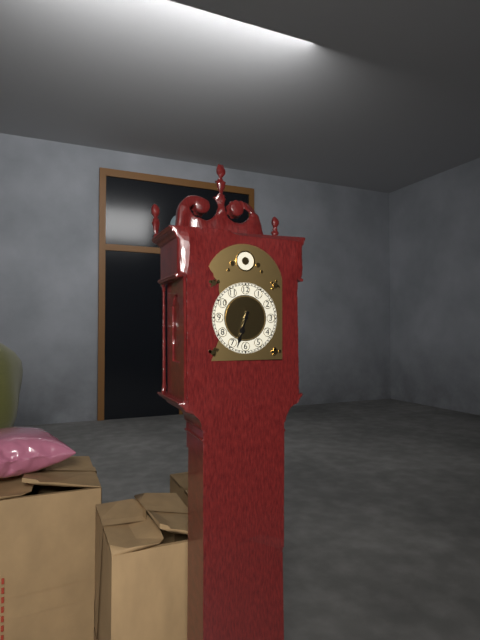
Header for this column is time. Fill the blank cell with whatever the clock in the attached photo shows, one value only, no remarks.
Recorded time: 6:33
